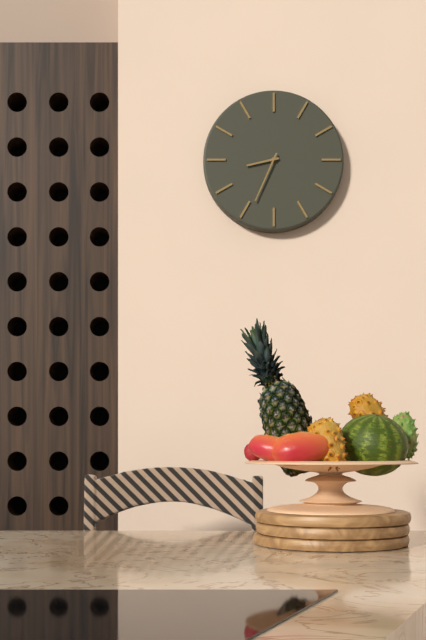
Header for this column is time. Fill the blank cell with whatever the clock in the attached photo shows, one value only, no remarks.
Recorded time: 8:34
